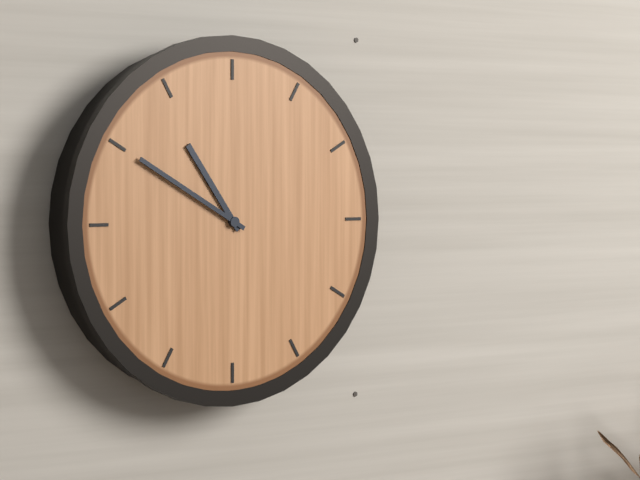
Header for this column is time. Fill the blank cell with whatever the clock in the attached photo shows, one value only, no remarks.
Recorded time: 10:50
